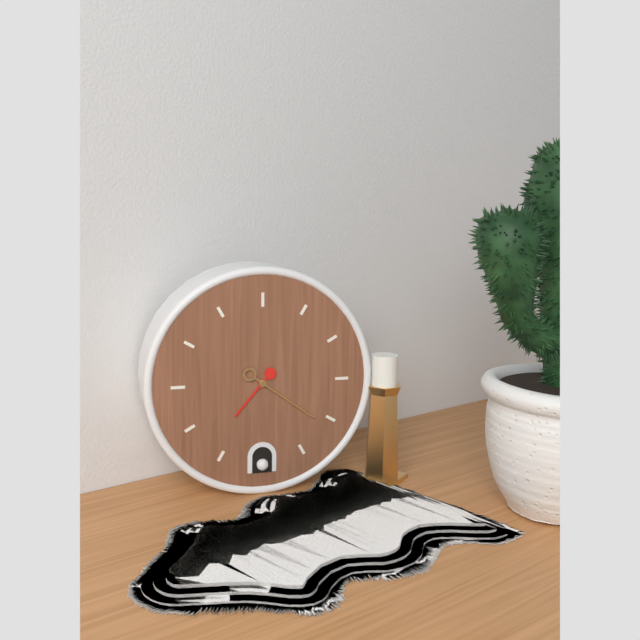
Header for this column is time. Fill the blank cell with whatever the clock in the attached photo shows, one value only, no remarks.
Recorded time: 7:21
